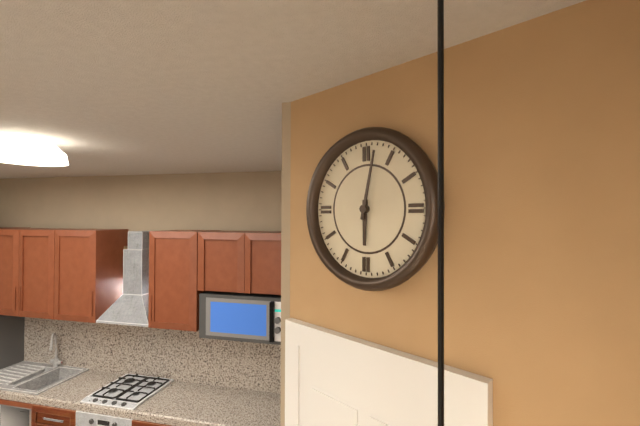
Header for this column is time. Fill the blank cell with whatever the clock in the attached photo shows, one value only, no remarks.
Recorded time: 6:02
